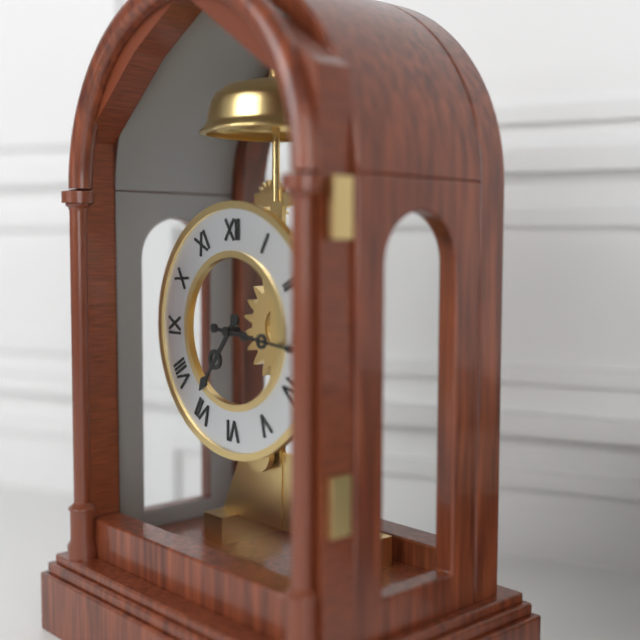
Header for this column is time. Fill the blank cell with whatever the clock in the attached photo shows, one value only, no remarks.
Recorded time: 7:16
